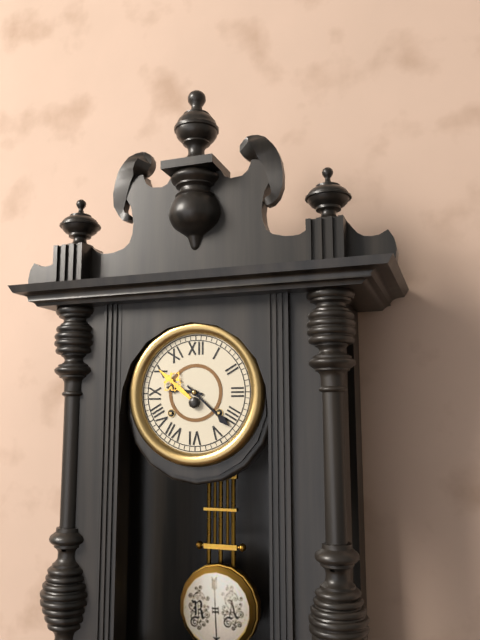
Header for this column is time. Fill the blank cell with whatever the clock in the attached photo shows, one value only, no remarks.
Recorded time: 9:22
